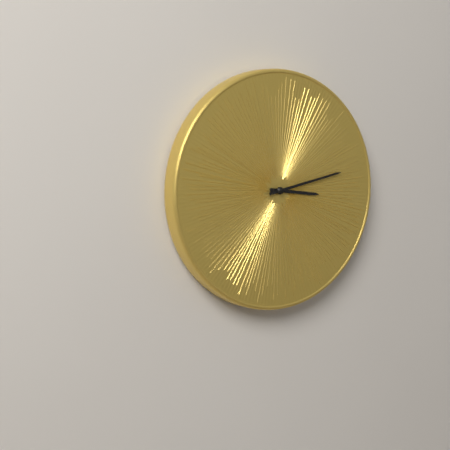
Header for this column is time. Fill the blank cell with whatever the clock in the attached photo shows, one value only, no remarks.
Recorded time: 3:13
